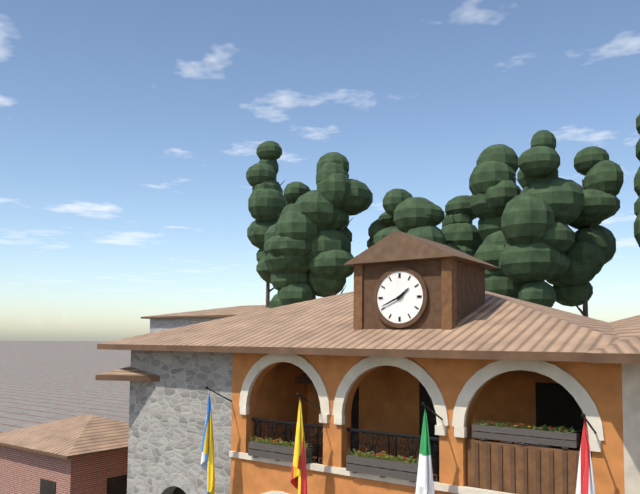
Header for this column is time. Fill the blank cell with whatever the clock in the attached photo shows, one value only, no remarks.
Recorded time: 1:41
